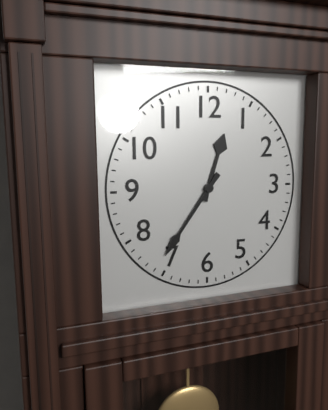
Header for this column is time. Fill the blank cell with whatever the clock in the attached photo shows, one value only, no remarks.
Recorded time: 12:36
